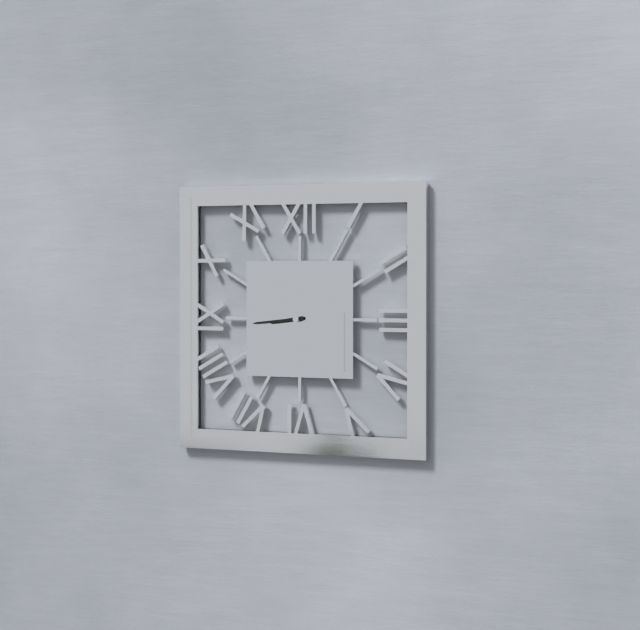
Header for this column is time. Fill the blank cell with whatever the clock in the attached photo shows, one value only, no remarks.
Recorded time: 8:44
